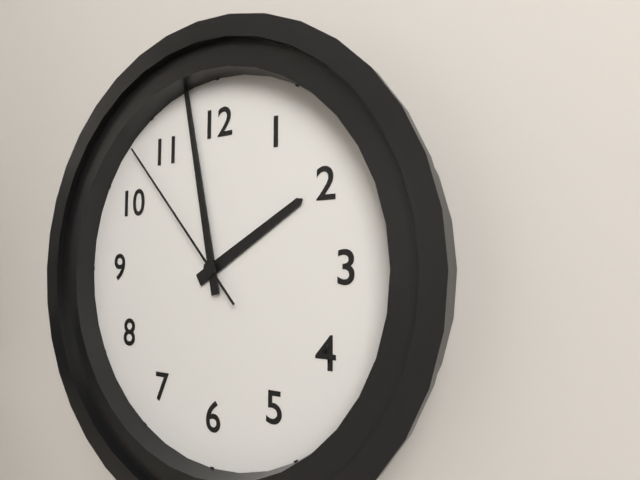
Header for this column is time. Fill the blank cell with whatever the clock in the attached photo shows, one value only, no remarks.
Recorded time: 1:58:53
